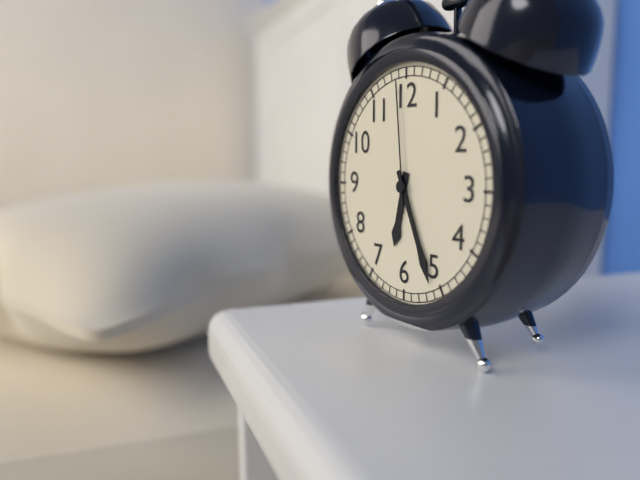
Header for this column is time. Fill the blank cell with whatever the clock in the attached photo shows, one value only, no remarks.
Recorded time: 6:26:59
